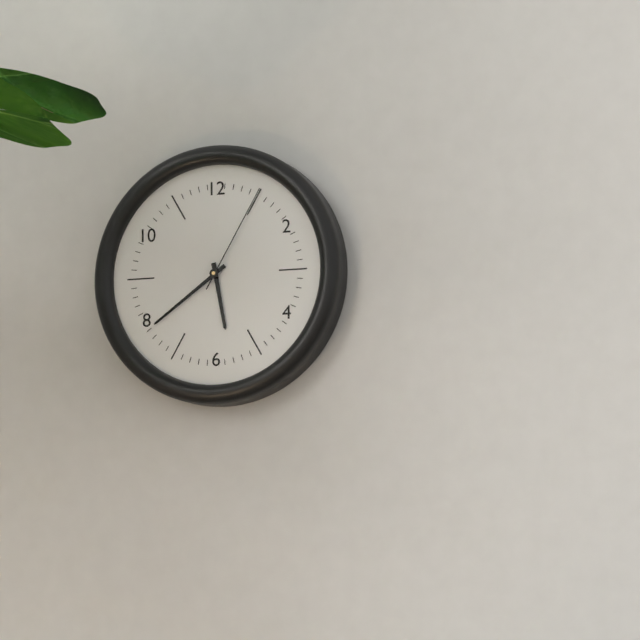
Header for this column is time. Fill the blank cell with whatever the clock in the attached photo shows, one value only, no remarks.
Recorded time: 5:39:05
